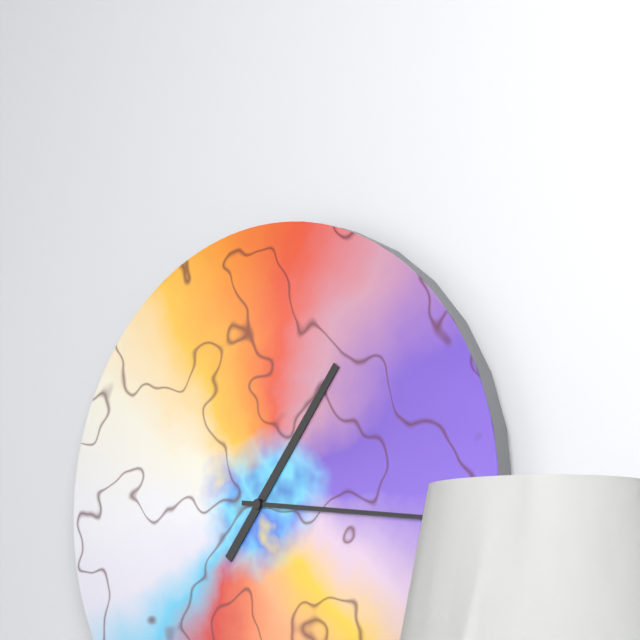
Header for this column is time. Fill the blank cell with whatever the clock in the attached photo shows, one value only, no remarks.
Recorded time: 1:16
